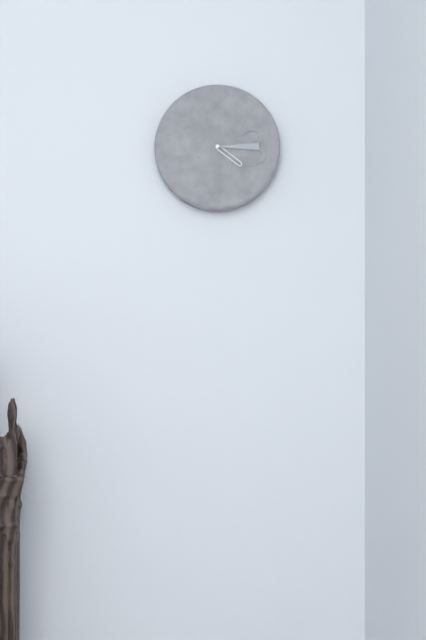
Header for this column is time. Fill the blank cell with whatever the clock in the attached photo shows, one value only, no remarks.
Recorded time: 4:15
